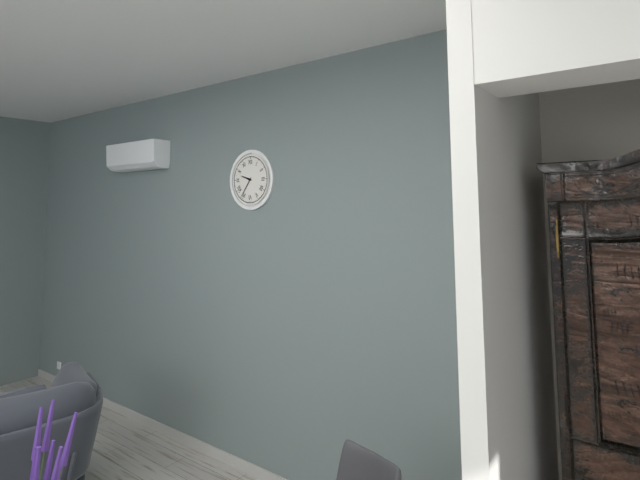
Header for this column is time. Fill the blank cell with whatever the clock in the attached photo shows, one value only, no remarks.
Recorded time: 9:36
